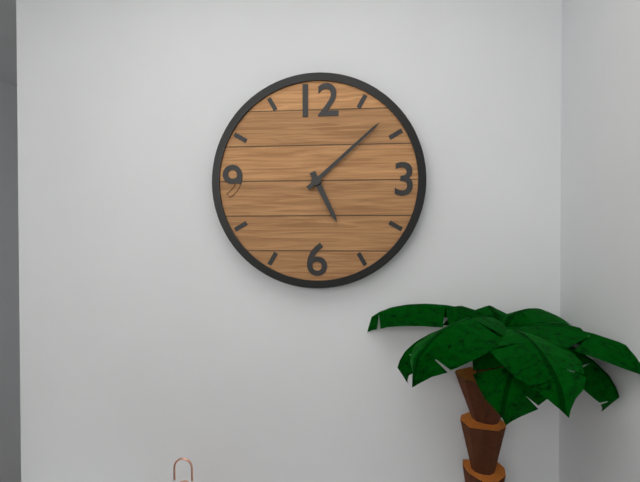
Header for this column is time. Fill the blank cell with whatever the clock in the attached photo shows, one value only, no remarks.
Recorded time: 5:08
